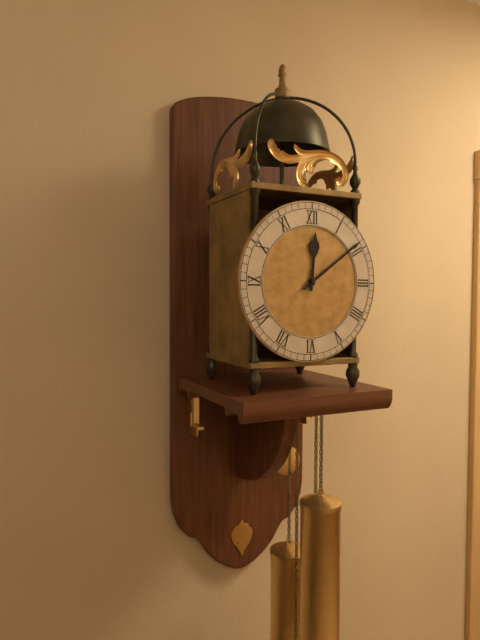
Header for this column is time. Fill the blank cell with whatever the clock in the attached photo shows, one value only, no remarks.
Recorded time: 12:09
